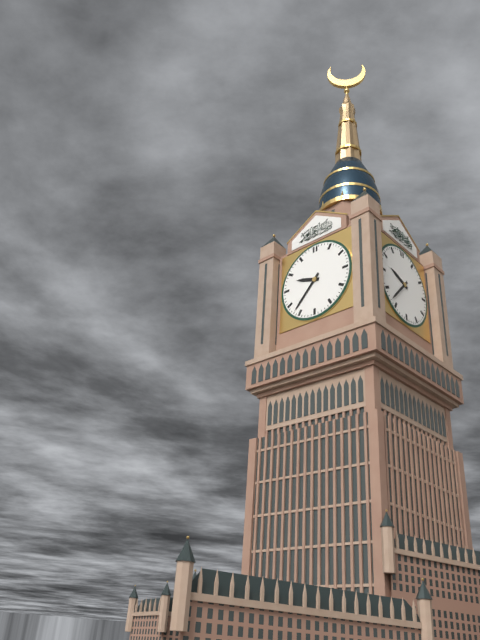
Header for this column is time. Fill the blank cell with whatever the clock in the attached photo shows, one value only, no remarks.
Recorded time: 9:37
